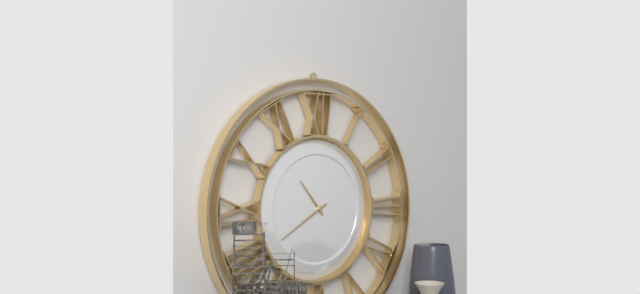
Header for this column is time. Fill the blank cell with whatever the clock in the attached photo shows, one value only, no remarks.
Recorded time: 10:40
